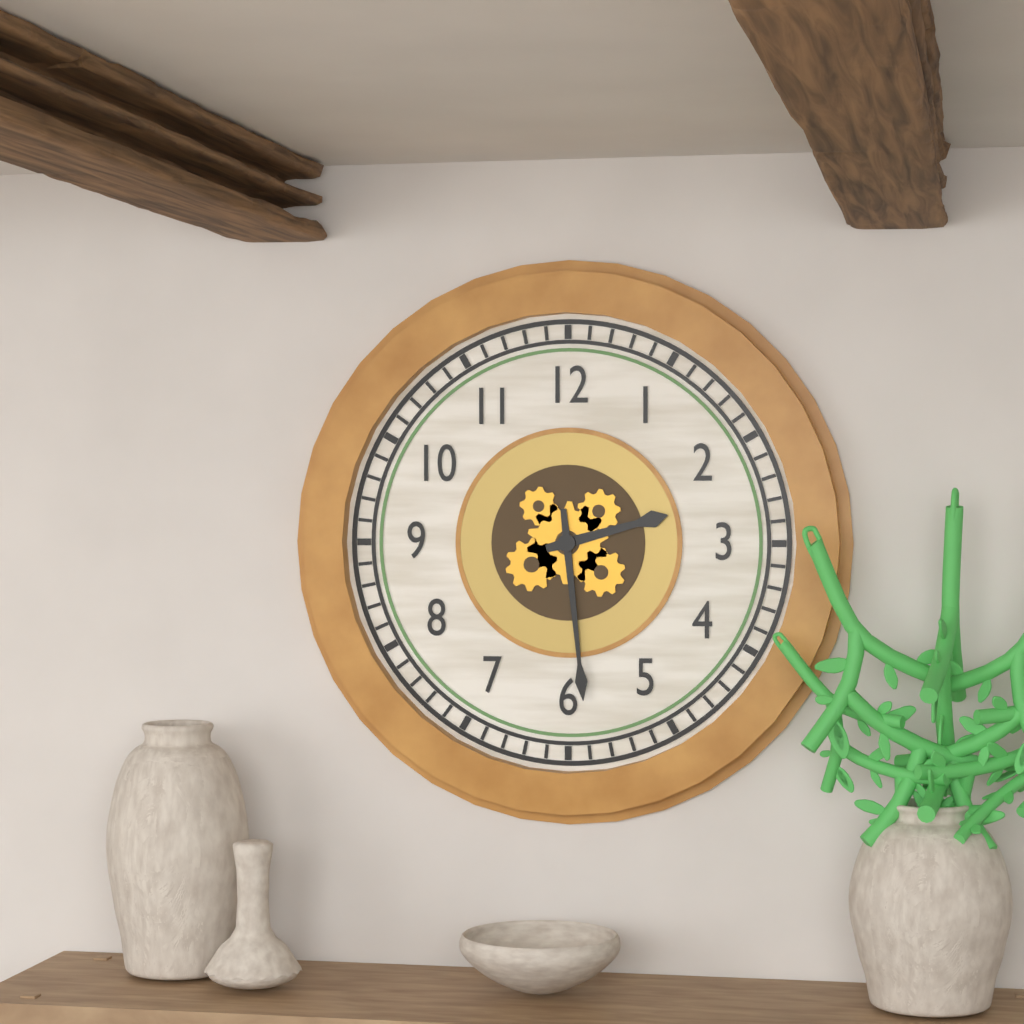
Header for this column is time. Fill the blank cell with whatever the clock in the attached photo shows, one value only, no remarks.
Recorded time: 2:29
